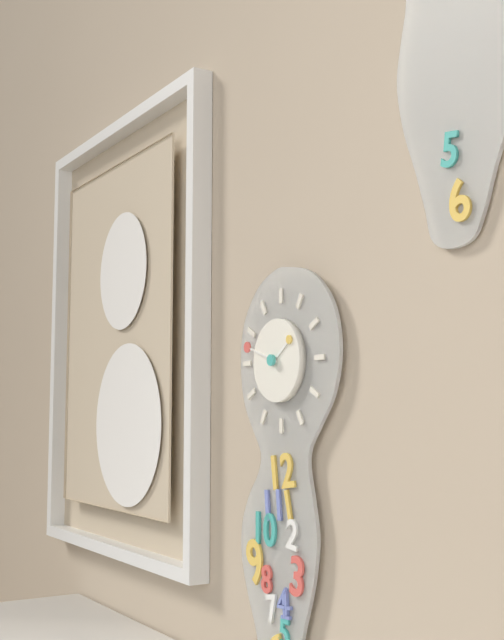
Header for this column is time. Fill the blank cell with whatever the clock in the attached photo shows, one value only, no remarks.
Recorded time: 1:48
